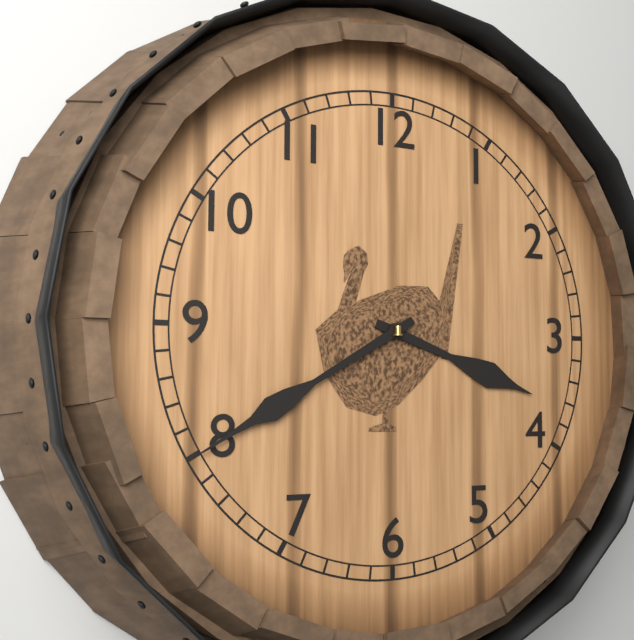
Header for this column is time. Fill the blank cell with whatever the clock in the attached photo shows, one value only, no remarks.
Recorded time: 3:40
